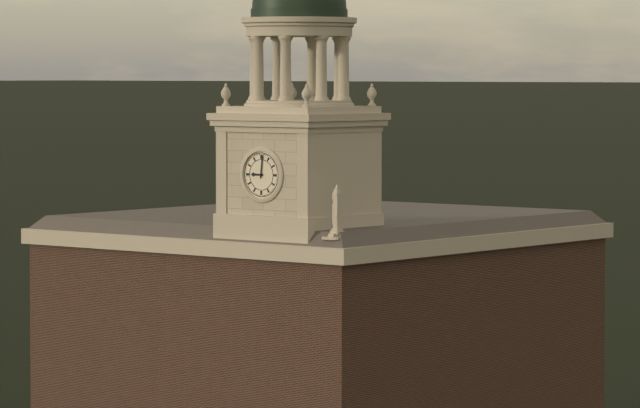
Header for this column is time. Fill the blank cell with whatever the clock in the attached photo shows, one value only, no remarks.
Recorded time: 9:01
